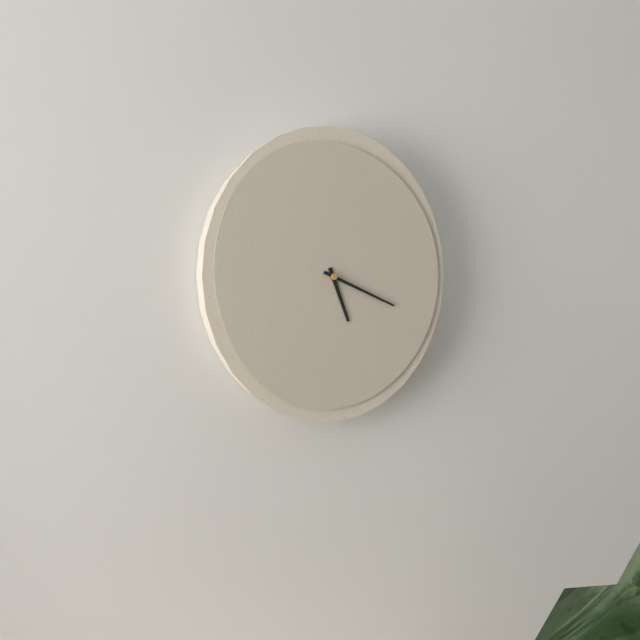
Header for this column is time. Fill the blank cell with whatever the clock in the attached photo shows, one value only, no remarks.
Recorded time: 5:19
